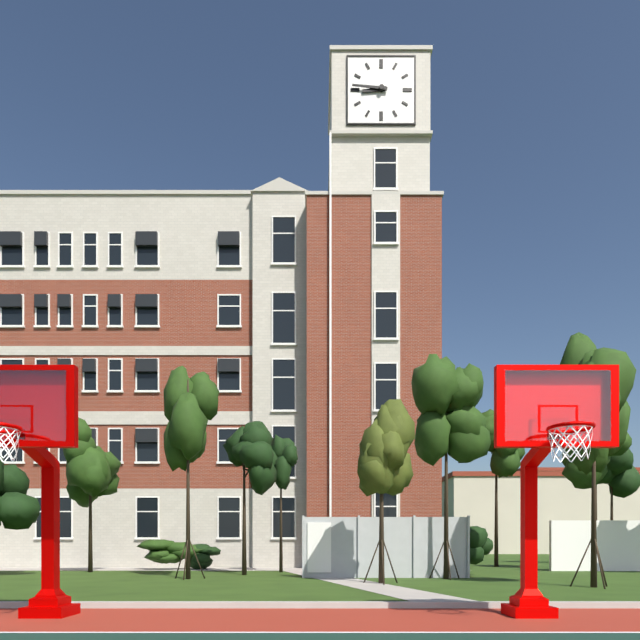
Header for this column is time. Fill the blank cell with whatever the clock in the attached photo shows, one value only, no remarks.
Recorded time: 8:46
